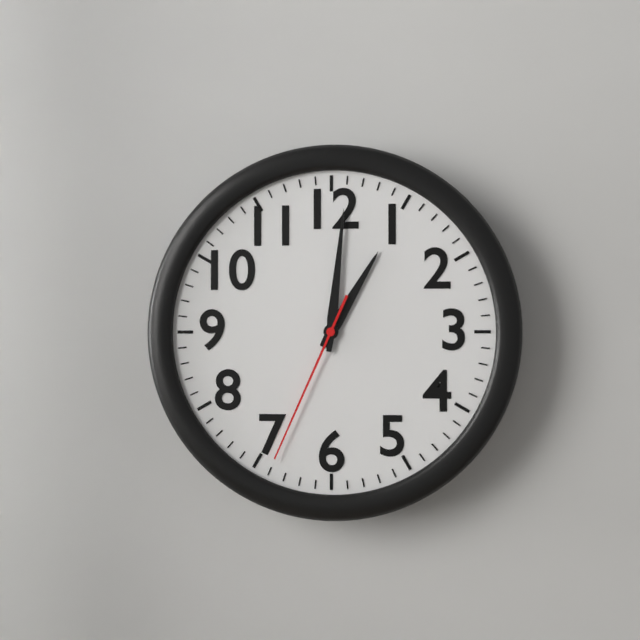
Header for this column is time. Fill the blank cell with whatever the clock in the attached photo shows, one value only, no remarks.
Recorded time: 1:01:34
